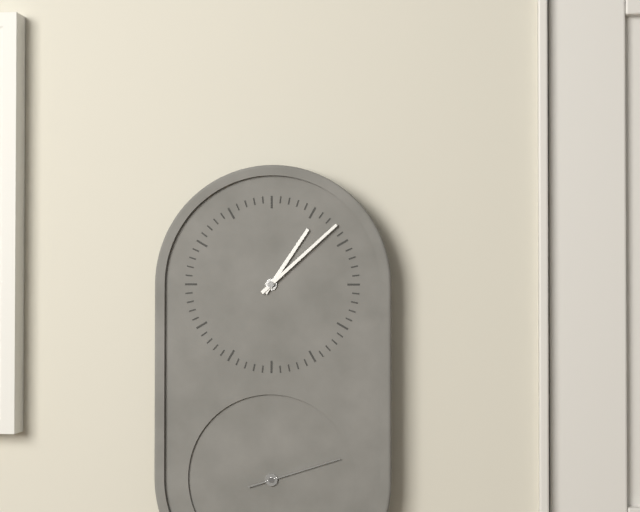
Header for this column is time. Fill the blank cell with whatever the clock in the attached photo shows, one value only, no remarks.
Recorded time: 1:08:12
